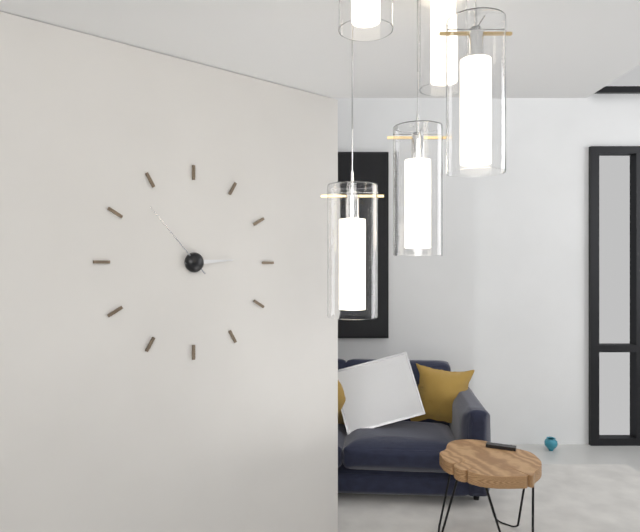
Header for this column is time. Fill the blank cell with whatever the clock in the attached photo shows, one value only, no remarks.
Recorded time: 2:53
